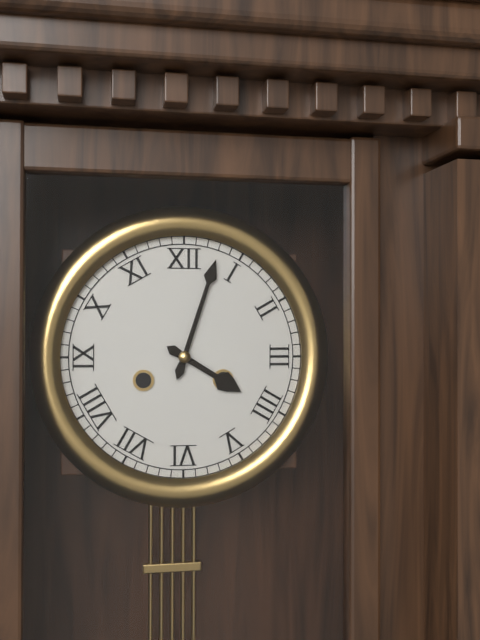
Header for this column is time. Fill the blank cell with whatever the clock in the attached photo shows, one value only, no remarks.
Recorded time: 4:03
